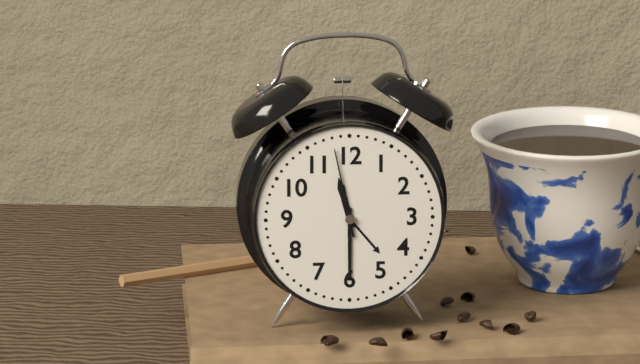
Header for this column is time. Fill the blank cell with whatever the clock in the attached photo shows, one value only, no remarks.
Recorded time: 11:30:58
